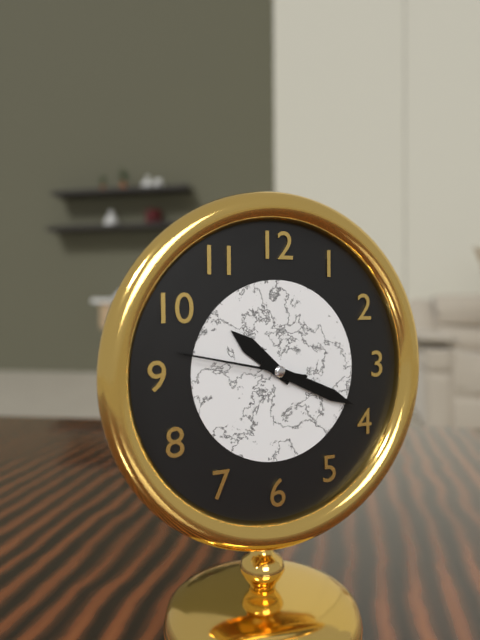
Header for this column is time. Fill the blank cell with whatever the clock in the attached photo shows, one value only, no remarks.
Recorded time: 10:19:47
